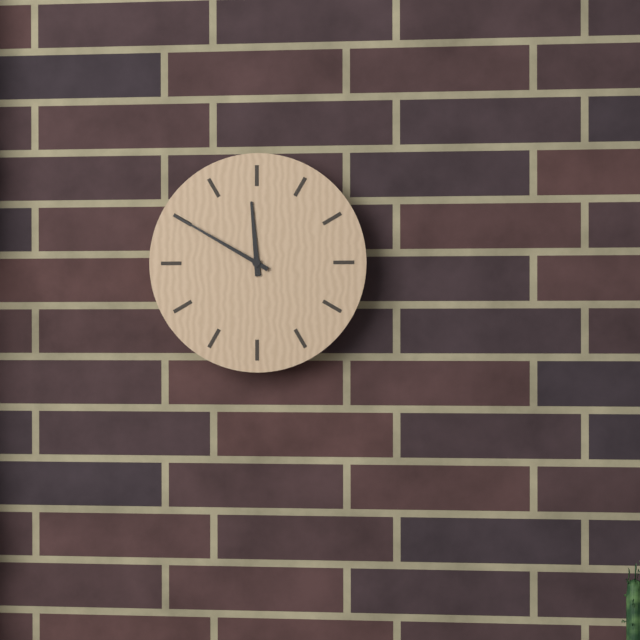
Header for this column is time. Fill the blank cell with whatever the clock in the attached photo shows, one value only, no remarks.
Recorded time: 11:50
